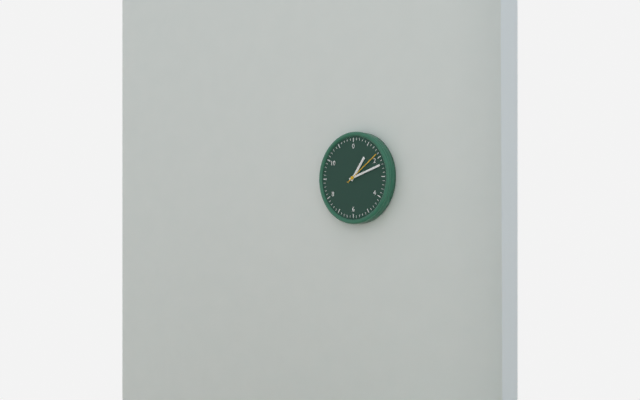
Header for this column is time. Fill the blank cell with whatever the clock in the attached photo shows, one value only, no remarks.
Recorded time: 1:12
